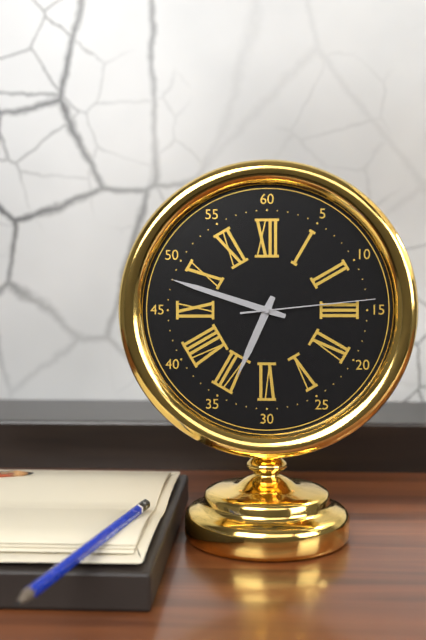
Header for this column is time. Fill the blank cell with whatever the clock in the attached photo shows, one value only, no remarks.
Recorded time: 6:48:14
